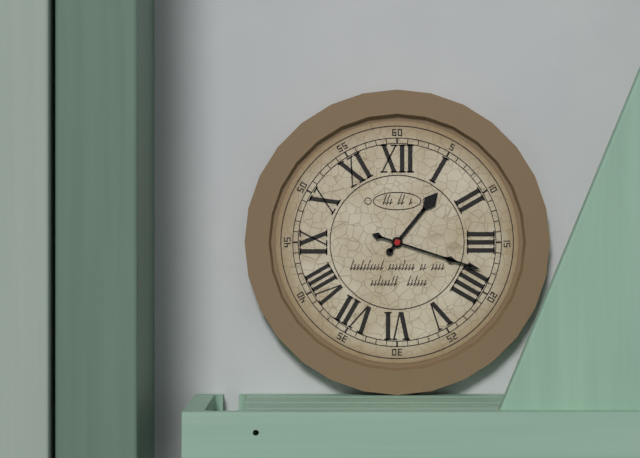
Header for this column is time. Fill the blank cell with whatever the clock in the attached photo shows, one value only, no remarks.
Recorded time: 1:18
